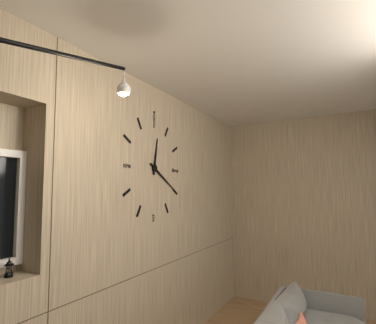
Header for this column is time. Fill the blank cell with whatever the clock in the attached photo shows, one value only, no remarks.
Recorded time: 12:20
